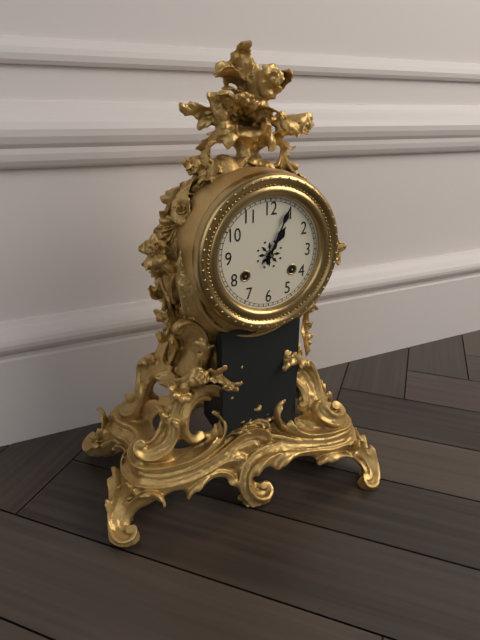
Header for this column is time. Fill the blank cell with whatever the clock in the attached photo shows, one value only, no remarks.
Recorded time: 1:04
